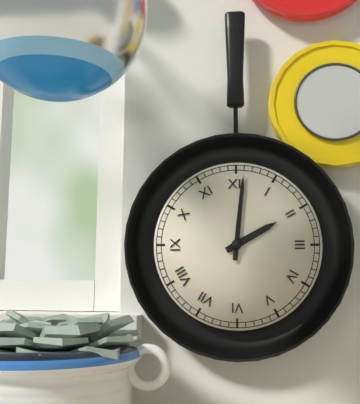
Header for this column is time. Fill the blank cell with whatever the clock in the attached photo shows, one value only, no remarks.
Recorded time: 2:01
